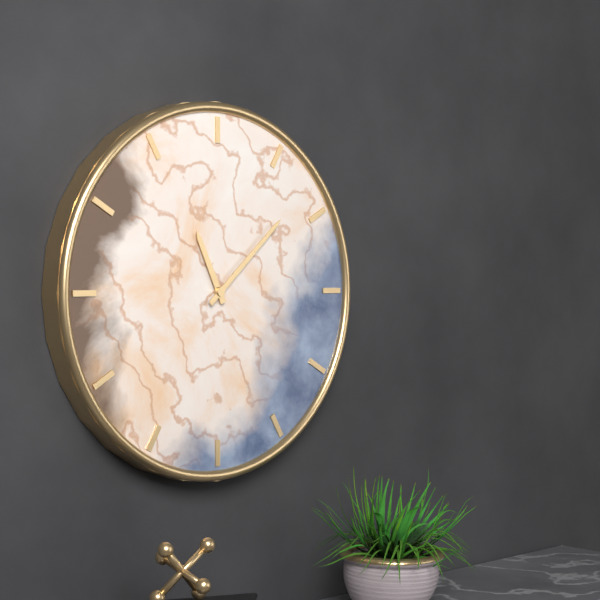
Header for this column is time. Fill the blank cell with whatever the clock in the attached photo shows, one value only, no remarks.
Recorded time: 11:08
